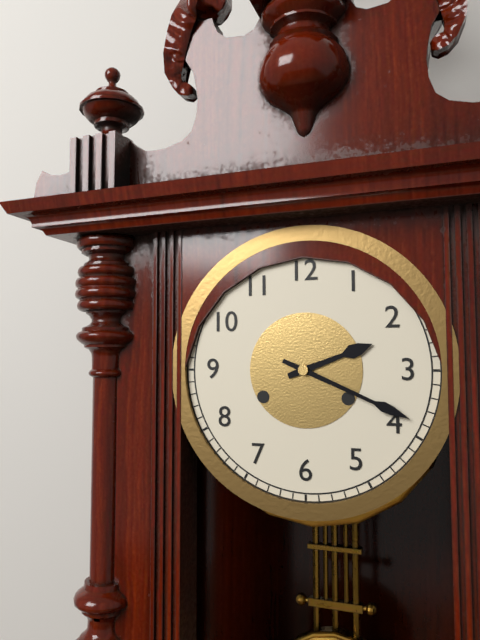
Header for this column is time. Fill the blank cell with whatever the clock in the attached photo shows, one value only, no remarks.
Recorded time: 2:19
